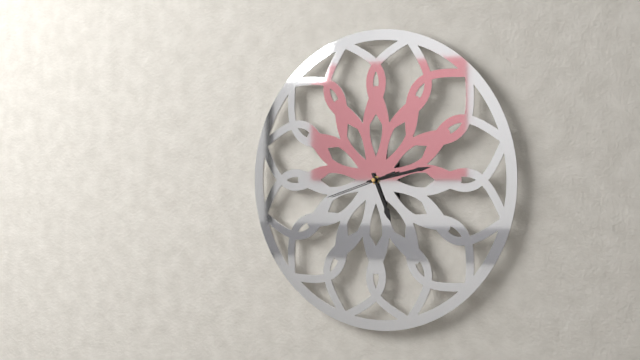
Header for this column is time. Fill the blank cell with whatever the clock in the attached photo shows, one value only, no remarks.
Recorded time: 5:13:42
